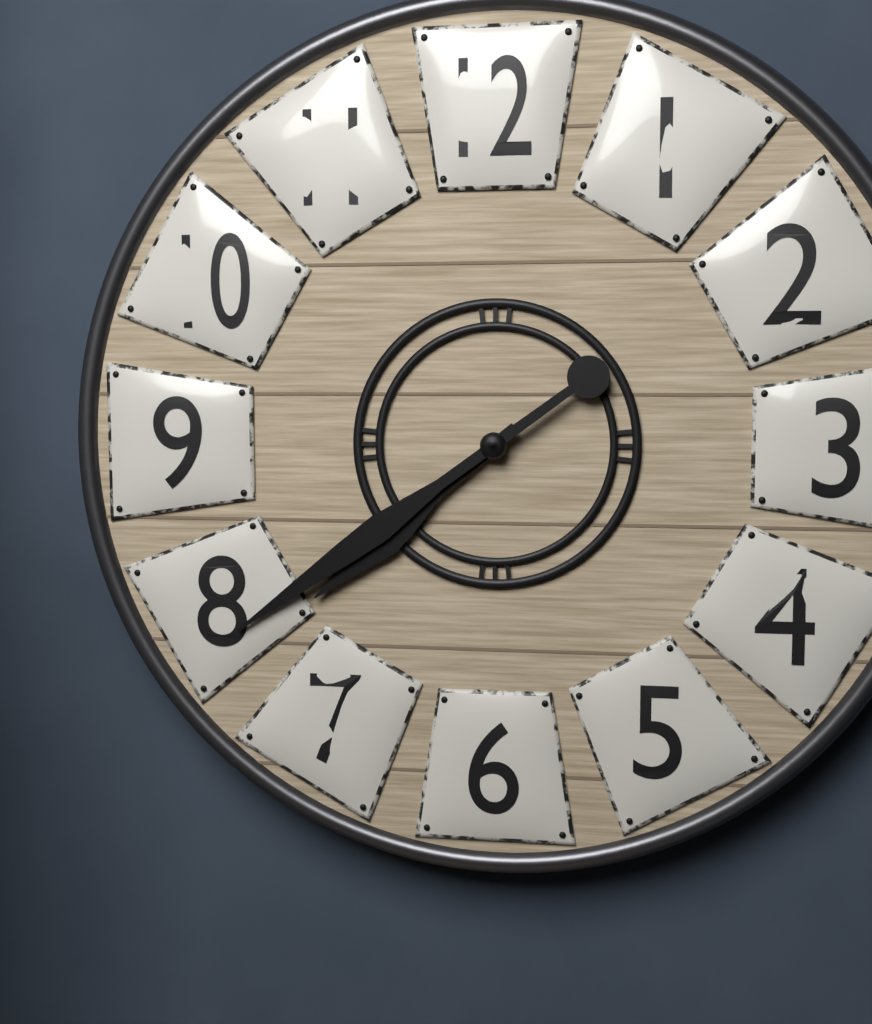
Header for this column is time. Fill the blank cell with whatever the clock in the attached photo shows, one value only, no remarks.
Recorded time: 7:39
